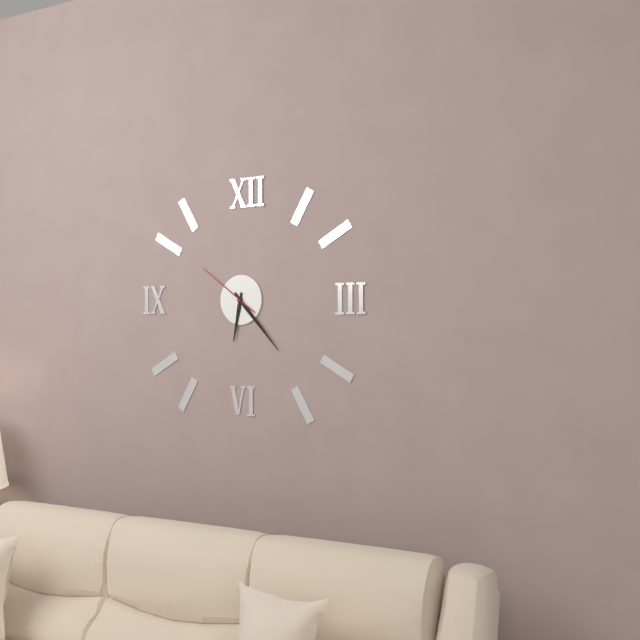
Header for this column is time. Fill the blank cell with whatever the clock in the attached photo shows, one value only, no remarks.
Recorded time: 6:23:51
